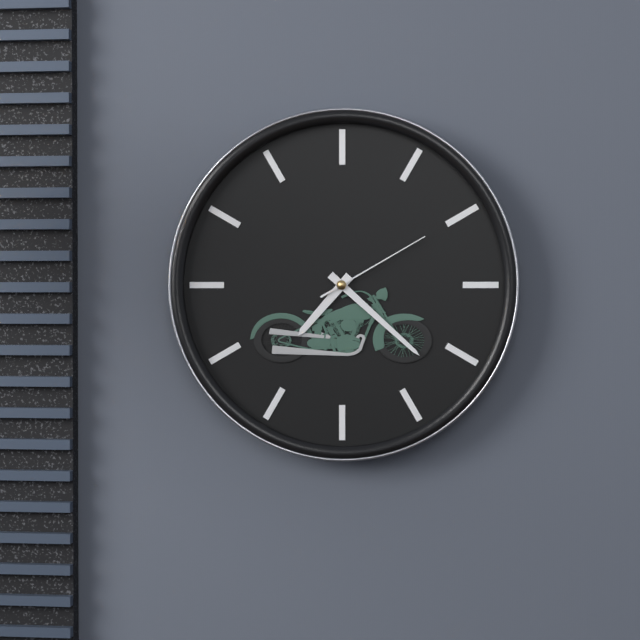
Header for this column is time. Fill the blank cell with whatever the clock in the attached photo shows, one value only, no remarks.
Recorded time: 7:22:10
